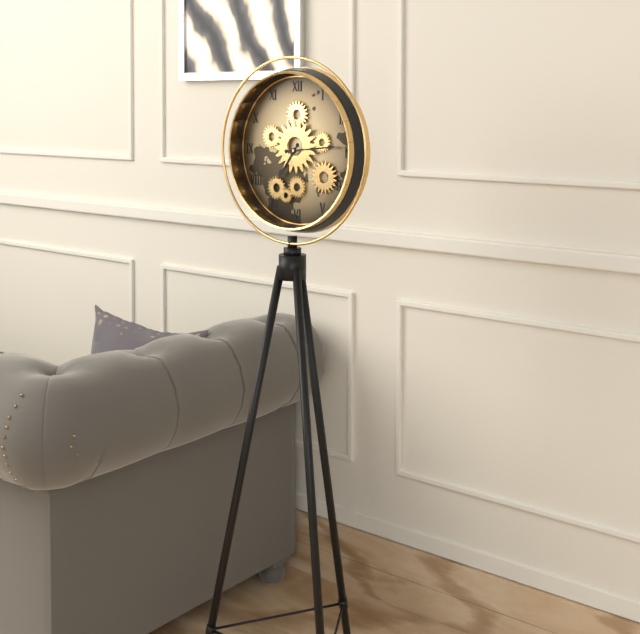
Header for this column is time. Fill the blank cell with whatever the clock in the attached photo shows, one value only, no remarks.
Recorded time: 7:14
